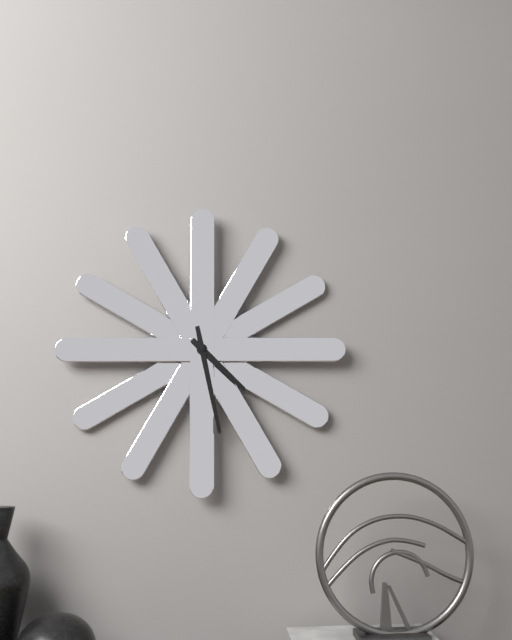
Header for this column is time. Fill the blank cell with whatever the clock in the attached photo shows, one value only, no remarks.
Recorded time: 4:28
